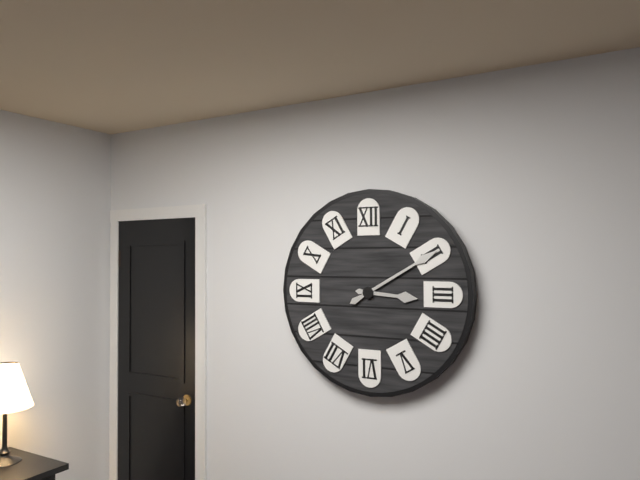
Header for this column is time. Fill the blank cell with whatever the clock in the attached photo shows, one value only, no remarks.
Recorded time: 3:10
